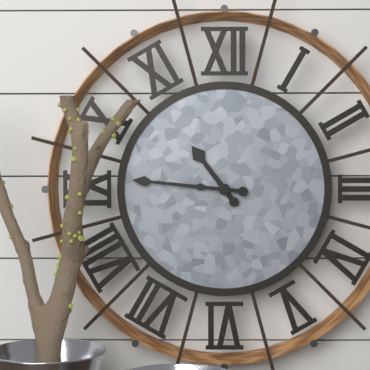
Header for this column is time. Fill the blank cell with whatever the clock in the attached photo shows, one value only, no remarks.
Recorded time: 10:46
